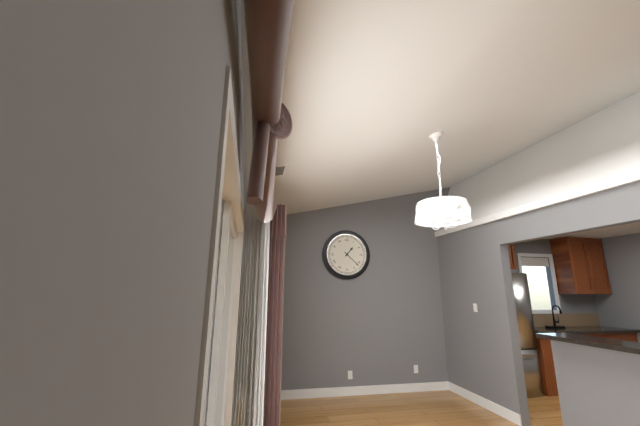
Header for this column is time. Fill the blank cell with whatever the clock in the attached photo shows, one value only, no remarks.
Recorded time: 1:22
